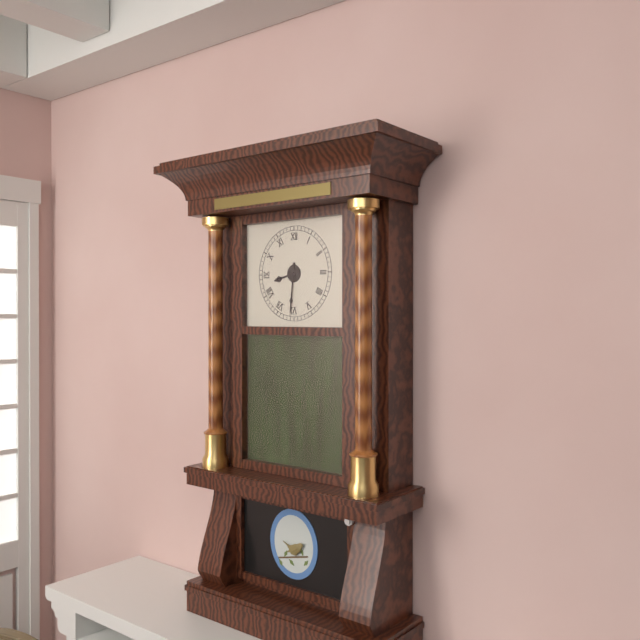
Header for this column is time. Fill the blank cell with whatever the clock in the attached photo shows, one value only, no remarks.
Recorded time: 8:31
